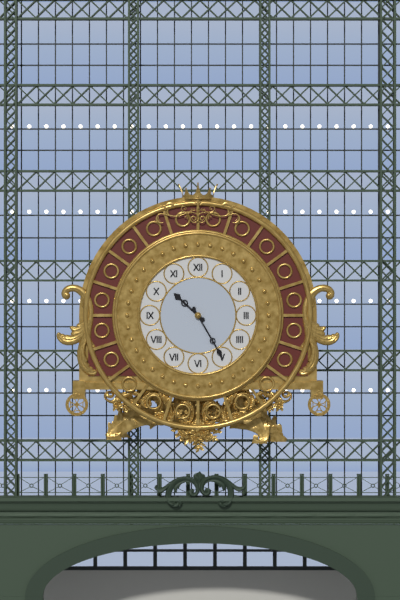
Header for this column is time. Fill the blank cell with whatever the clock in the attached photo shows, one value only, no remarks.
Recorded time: 10:25
